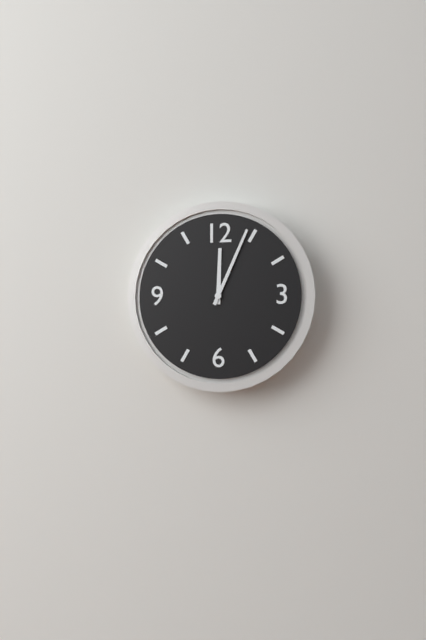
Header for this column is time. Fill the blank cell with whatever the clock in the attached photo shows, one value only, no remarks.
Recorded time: 12:04
